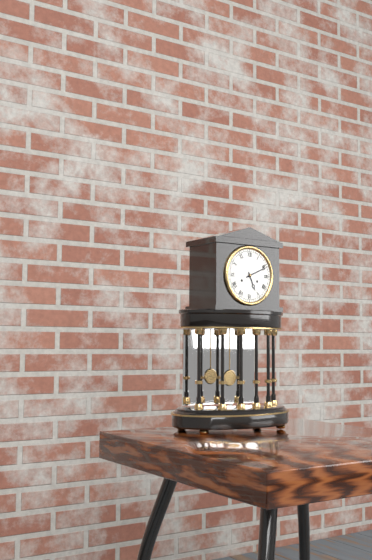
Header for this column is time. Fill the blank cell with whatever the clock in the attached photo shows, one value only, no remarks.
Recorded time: 5:11
